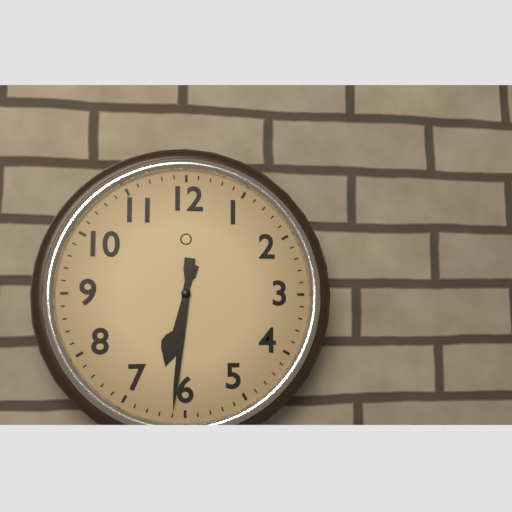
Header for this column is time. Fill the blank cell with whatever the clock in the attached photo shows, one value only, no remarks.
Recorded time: 6:31
